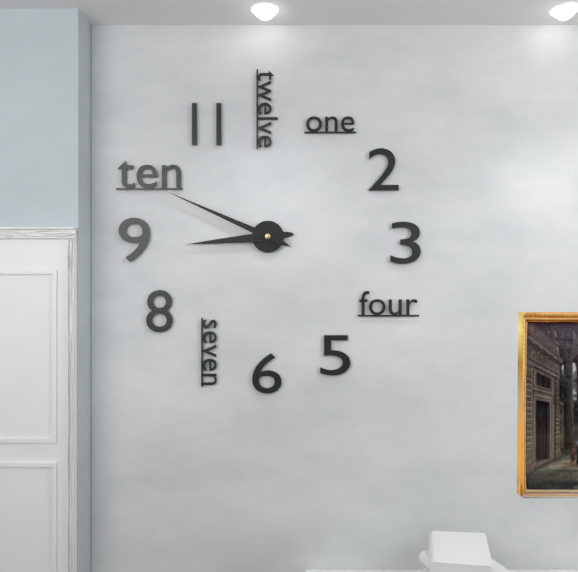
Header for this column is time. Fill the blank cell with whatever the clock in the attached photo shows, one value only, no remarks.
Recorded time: 8:49
